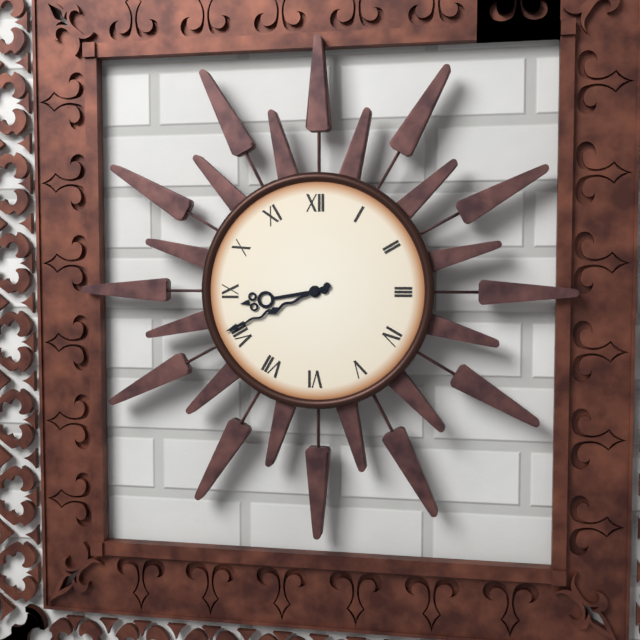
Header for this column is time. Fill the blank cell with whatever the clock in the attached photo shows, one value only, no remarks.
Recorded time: 8:41
